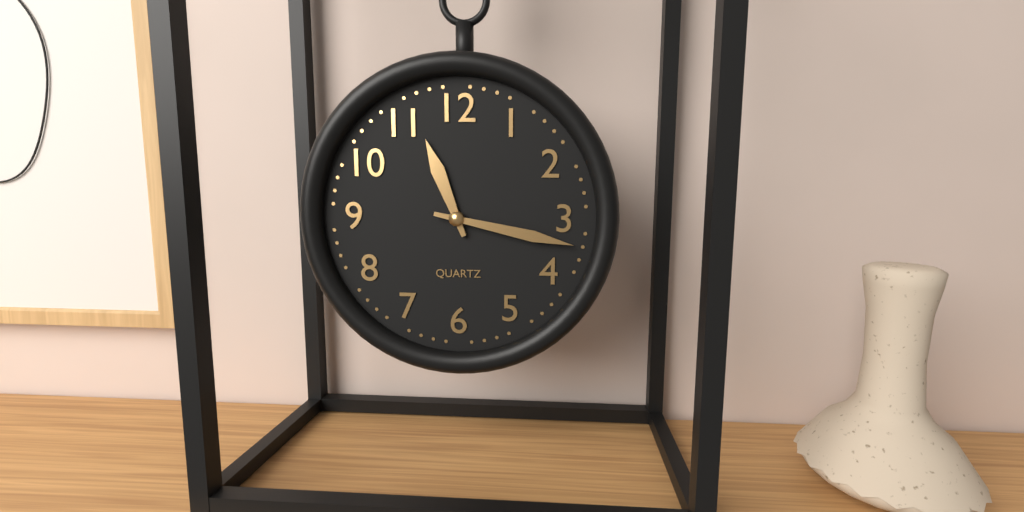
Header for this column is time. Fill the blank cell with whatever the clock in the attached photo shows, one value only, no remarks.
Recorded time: 11:17
